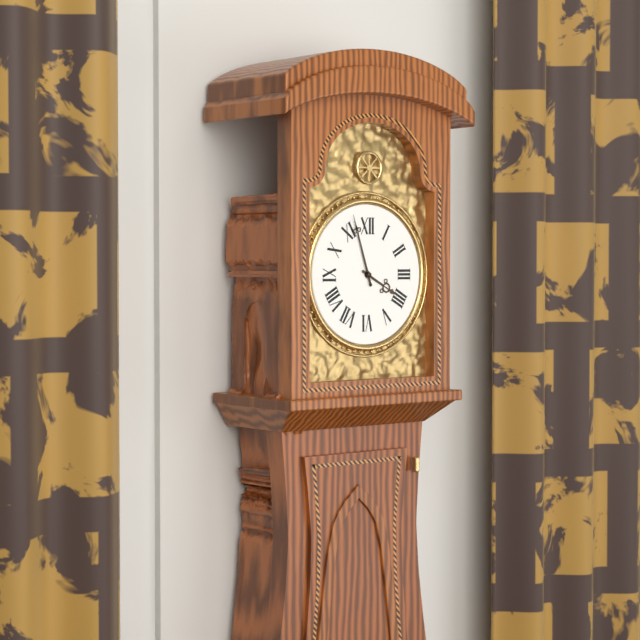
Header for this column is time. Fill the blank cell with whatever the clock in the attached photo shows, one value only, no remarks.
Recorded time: 3:57
